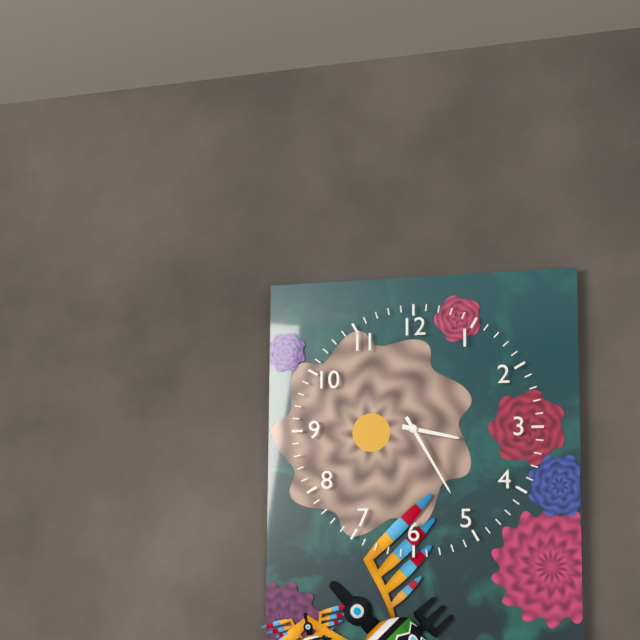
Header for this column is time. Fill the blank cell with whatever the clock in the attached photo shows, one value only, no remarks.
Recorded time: 3:25
